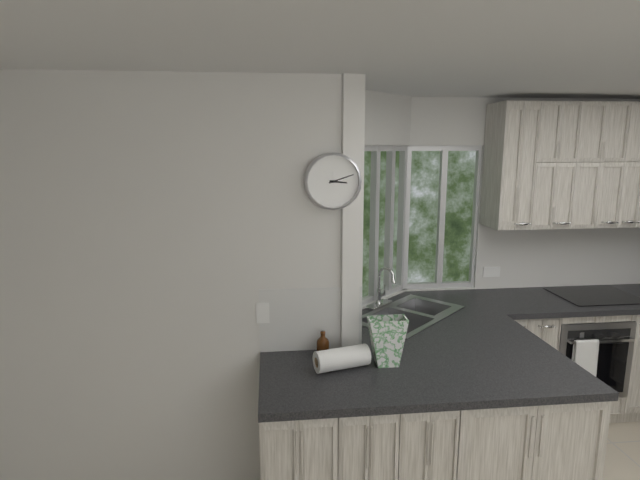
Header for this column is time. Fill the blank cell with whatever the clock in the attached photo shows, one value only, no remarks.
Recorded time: 3:12
